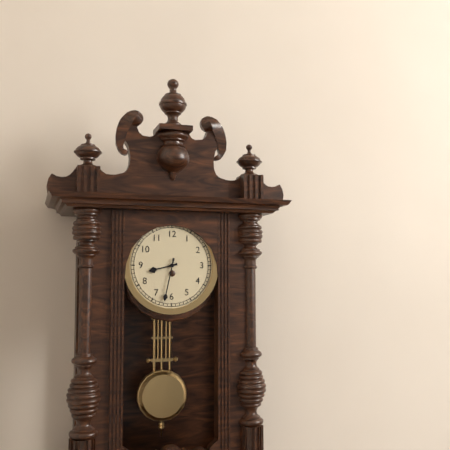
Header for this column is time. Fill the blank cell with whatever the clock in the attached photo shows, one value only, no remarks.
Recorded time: 8:32
